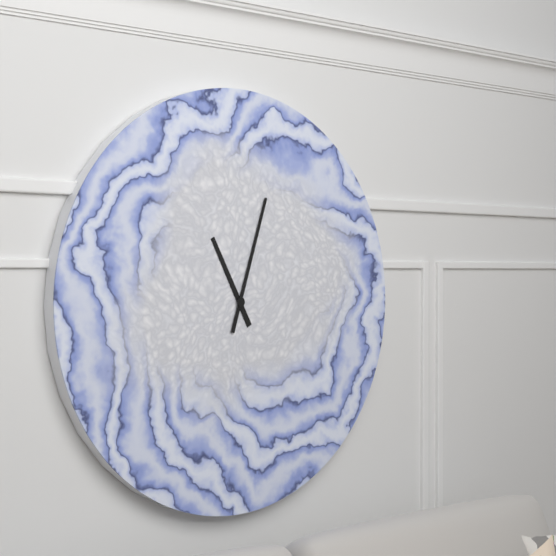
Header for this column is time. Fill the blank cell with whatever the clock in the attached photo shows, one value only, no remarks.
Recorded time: 11:03
